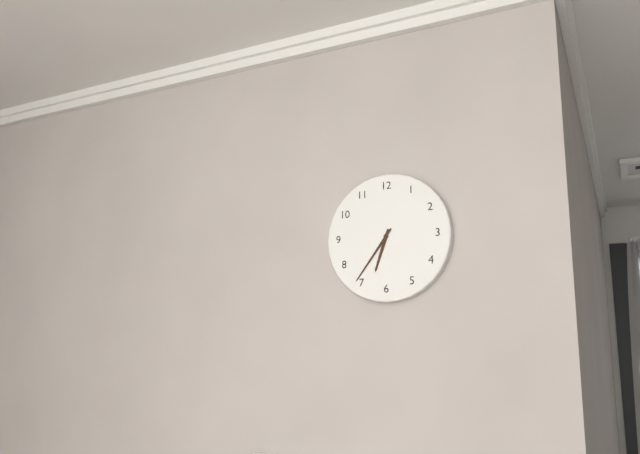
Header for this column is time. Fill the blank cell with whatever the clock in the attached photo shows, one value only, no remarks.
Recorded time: 6:36
